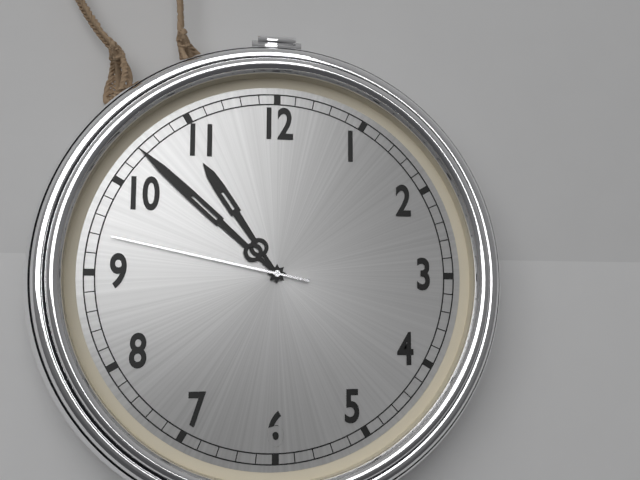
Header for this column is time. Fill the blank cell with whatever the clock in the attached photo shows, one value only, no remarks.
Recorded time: 10:52:47
